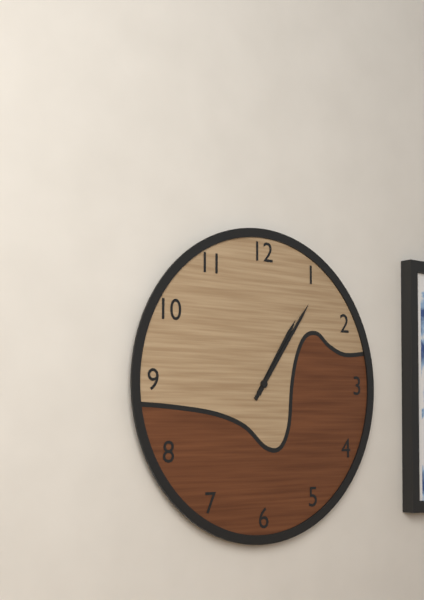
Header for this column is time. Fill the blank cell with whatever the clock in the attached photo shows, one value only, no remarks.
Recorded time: 1:06
